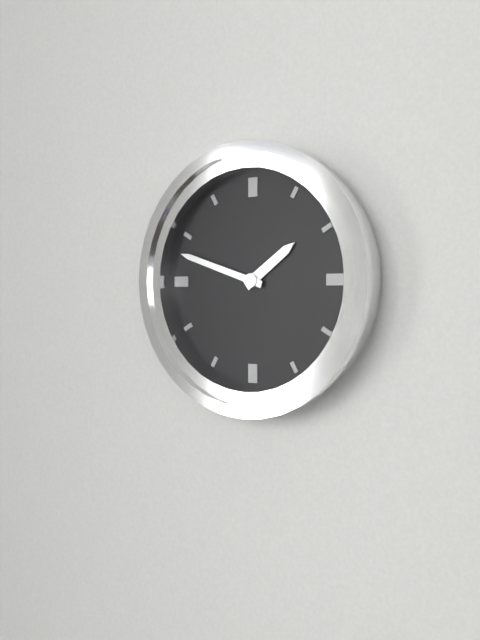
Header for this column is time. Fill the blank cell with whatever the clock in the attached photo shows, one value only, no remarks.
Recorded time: 1:48
